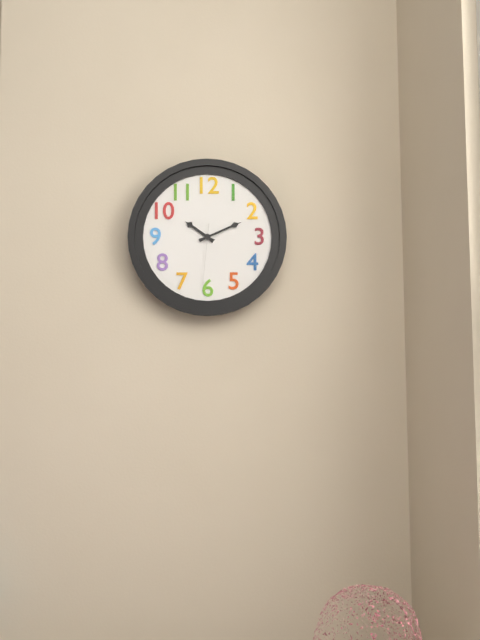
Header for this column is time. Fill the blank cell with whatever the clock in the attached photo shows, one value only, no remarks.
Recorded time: 10:11:31
